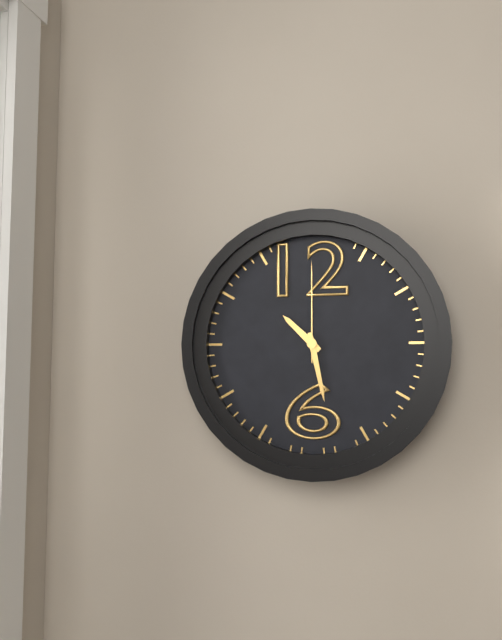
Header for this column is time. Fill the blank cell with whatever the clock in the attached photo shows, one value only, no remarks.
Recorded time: 10:28:00
